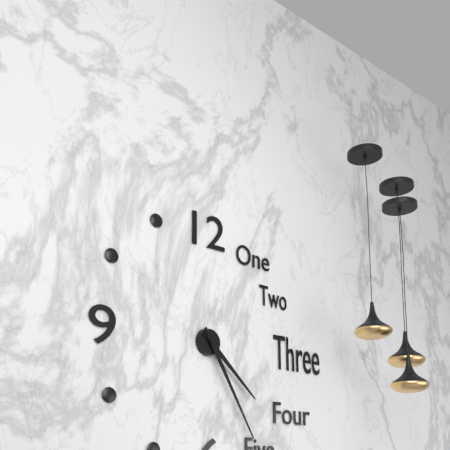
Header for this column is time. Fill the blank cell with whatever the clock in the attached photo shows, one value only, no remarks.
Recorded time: 4:25
